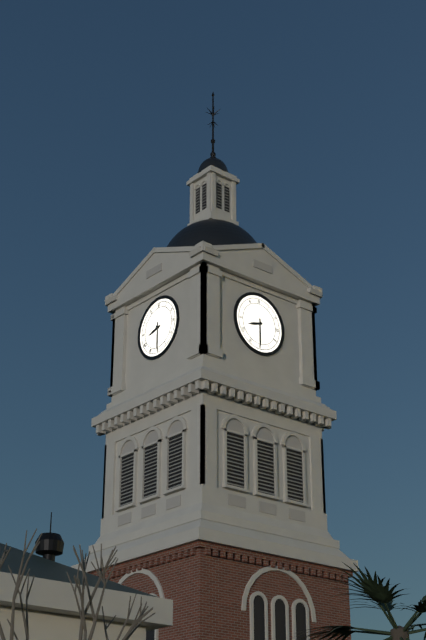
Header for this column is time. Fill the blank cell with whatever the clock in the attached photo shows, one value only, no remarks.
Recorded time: 8:30
